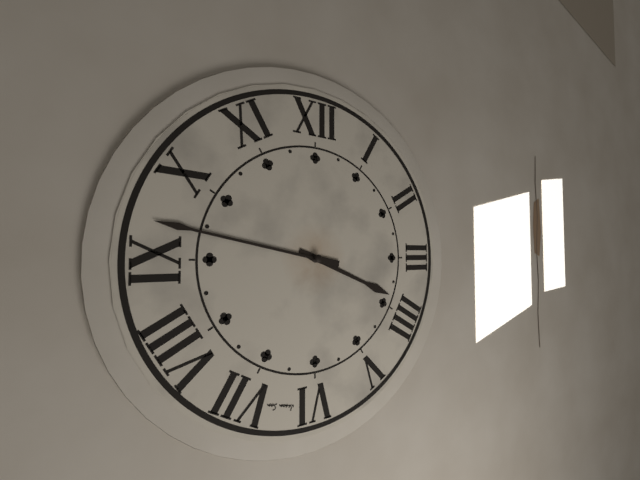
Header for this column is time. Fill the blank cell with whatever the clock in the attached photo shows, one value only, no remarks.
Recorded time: 3:47
